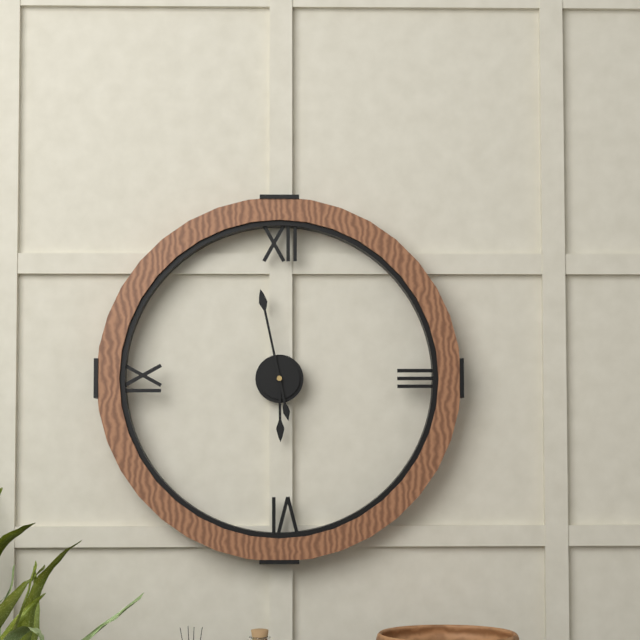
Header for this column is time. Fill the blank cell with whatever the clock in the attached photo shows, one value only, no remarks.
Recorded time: 5:58
